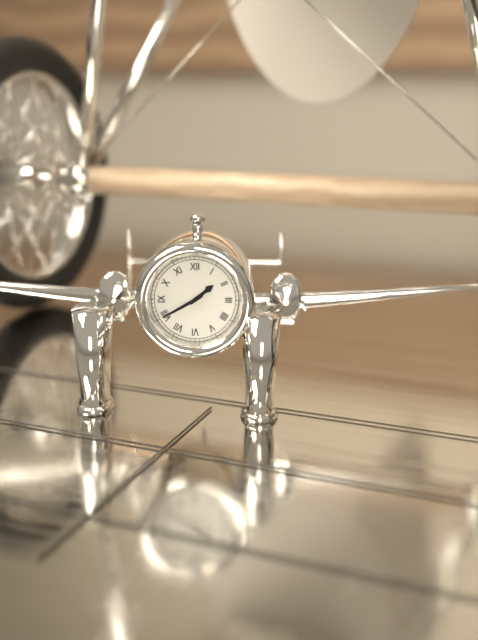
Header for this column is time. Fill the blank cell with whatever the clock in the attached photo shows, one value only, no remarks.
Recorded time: 1:40
